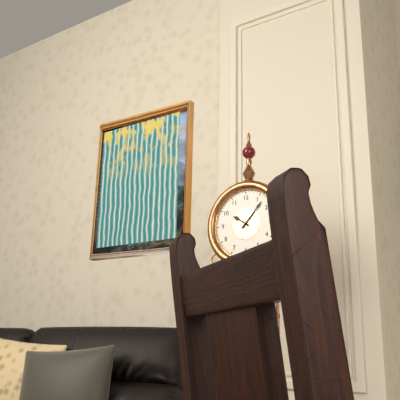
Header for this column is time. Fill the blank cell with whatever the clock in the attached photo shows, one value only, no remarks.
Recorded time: 10:07
